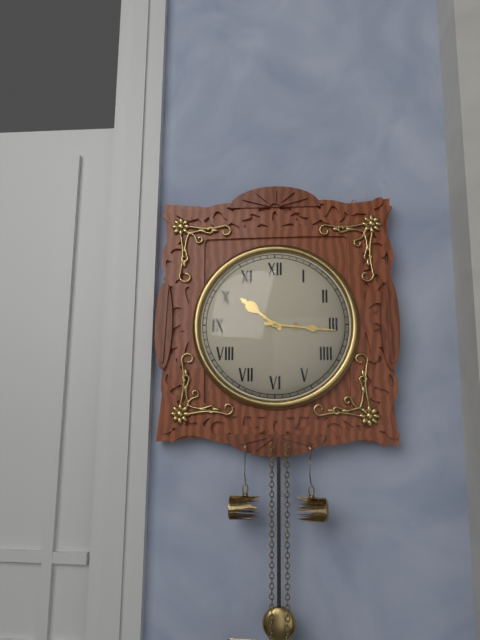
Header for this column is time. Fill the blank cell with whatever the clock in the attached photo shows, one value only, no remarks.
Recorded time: 10:16
